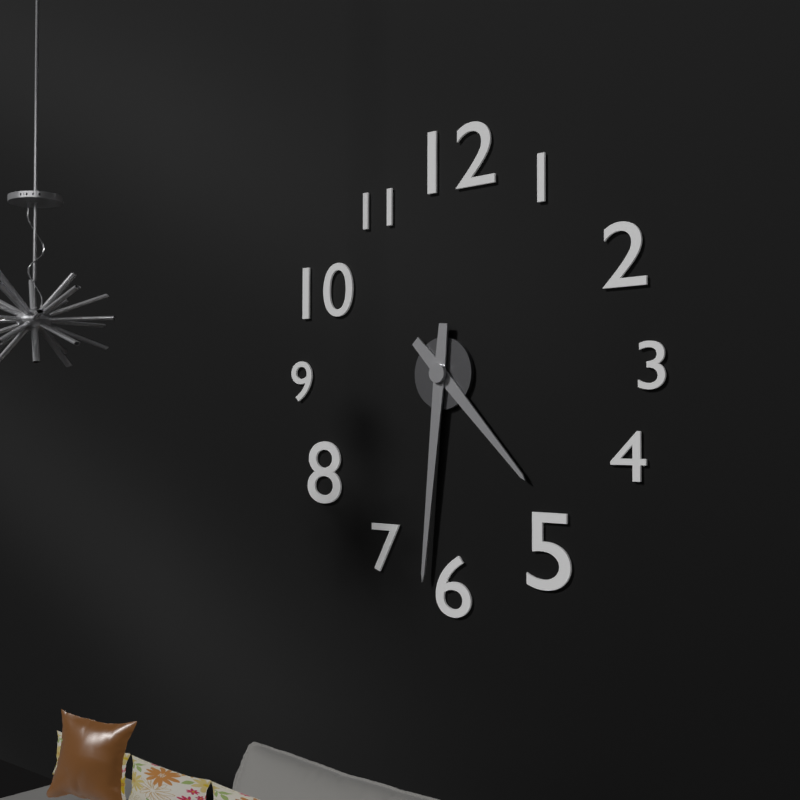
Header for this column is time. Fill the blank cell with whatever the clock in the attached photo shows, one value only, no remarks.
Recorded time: 4:31
